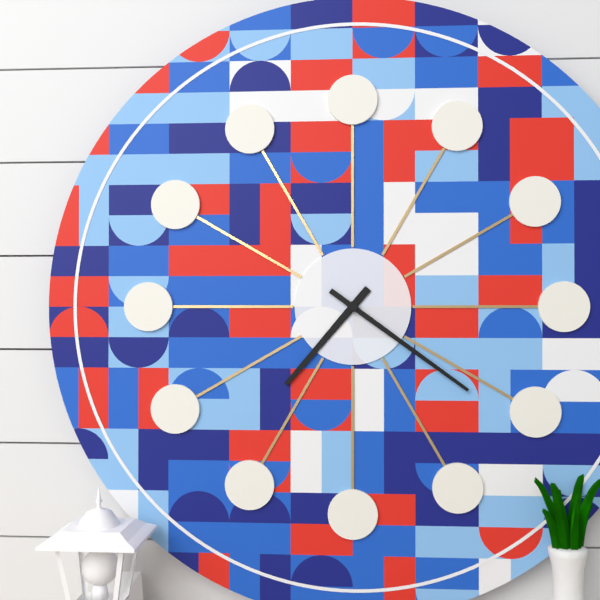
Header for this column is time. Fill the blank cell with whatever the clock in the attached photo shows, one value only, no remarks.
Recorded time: 7:21
